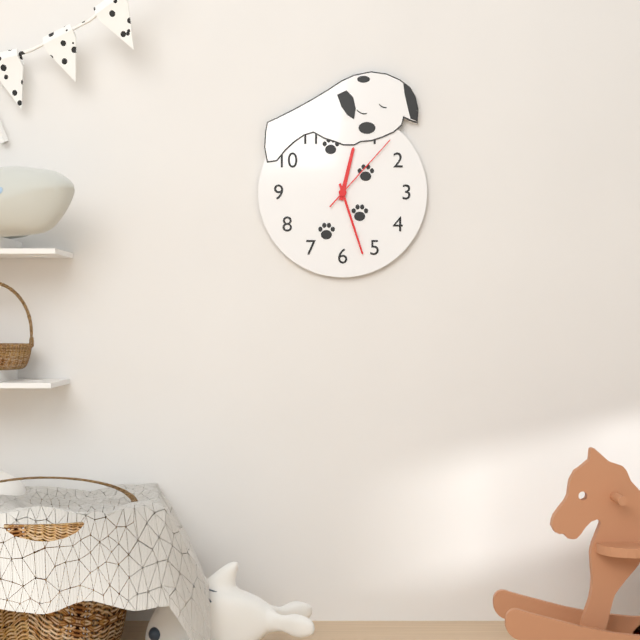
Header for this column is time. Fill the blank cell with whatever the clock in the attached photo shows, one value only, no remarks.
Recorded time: 12:27:07
